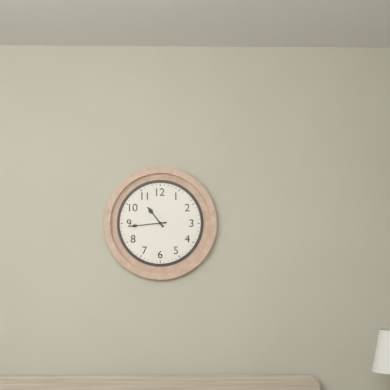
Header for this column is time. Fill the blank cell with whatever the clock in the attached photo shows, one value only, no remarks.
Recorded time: 10:44
